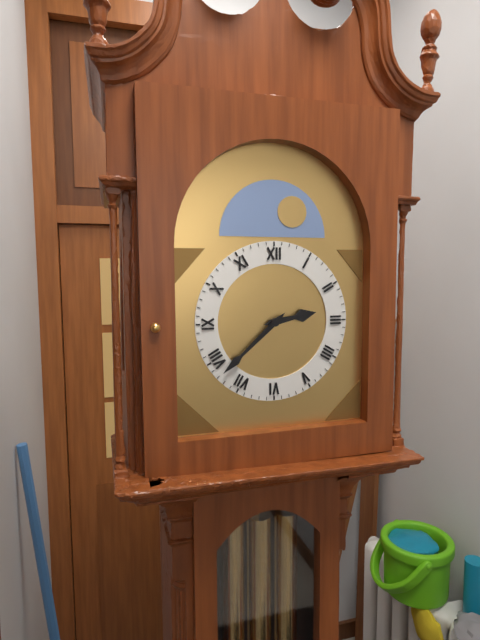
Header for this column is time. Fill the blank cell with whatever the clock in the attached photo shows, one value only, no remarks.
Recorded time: 2:38
